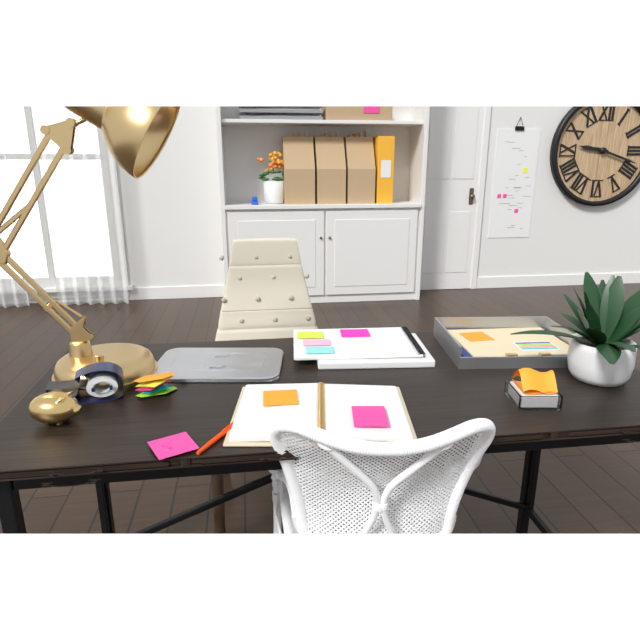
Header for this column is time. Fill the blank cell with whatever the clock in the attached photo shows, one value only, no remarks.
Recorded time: 9:18
